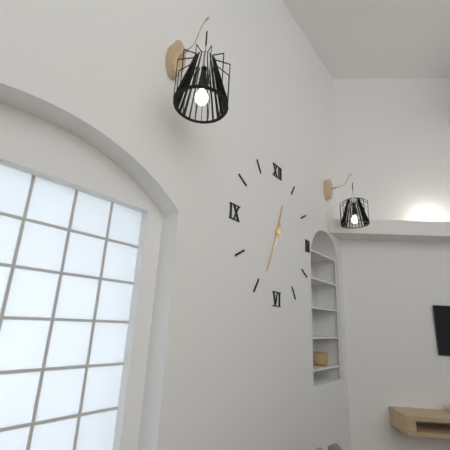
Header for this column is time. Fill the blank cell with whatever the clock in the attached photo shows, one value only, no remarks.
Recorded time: 12:34
